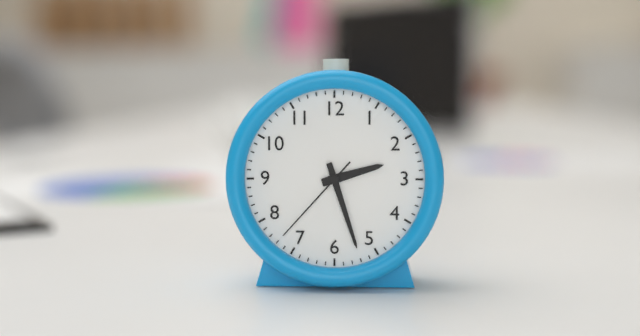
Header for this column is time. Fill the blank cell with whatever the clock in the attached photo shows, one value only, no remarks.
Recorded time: 2:27:37
